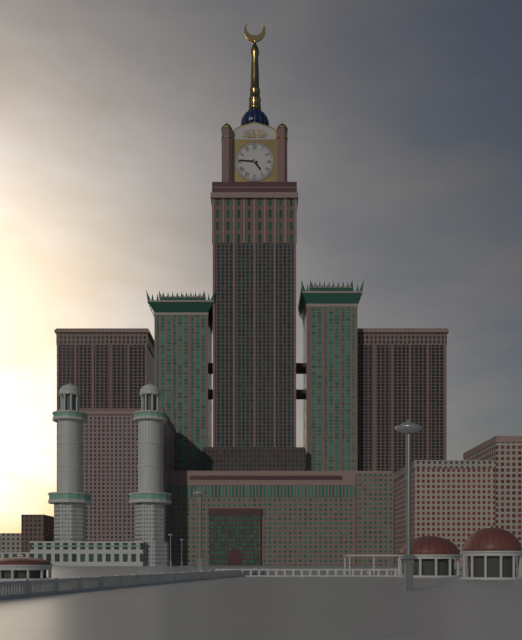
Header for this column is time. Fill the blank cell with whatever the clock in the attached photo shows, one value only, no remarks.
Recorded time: 4:46
